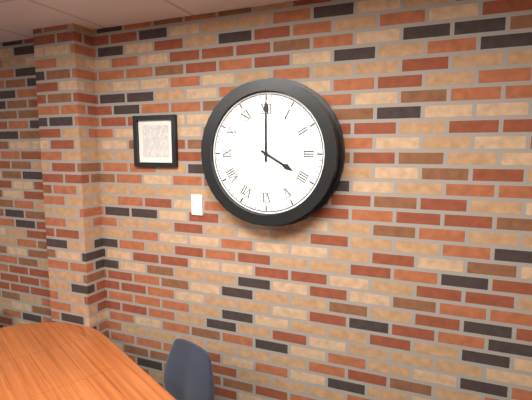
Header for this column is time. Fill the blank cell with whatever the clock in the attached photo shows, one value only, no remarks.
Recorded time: 4:00
